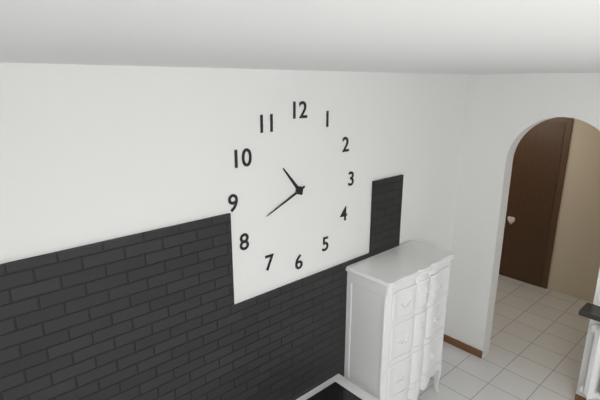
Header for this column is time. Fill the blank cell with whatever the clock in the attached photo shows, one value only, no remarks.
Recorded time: 10:41
